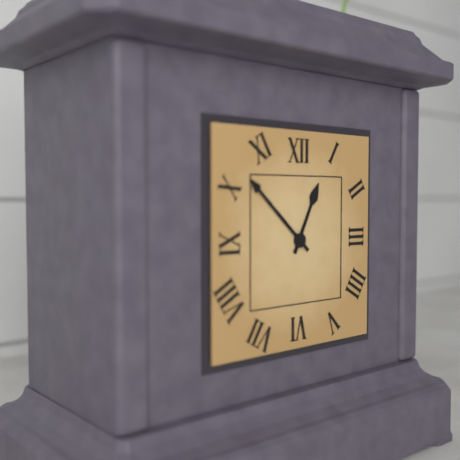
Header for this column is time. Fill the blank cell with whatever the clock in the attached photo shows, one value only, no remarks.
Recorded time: 12:52
